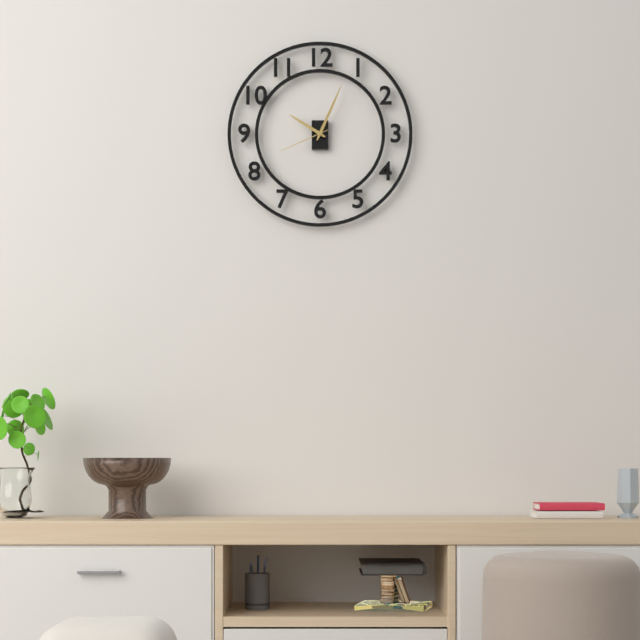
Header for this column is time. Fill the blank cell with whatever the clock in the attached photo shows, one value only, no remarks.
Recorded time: 10:04:41
